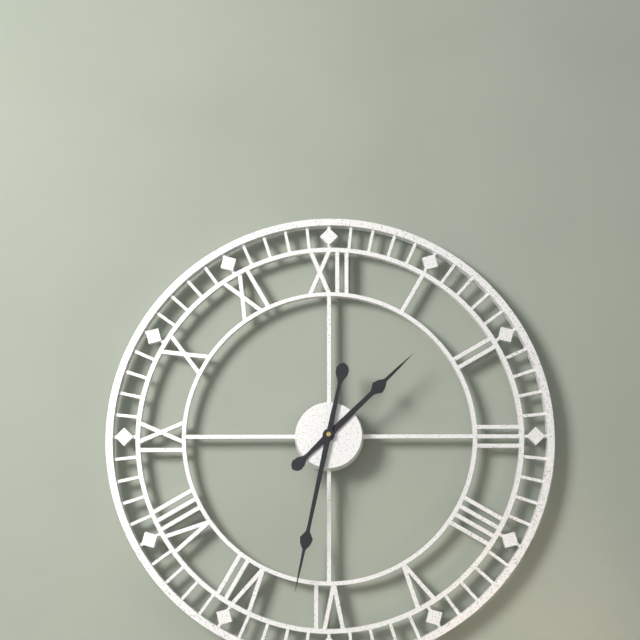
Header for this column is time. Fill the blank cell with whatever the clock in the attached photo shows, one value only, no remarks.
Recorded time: 1:32
